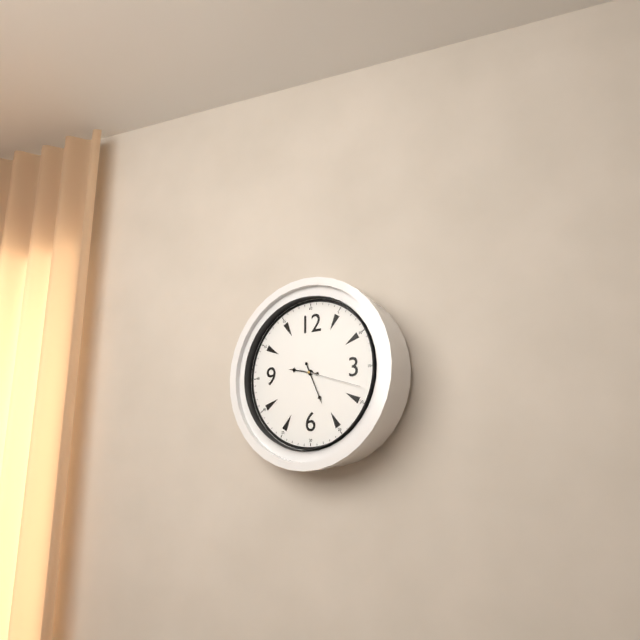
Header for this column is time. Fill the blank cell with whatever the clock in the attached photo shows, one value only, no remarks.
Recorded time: 9:26:18
